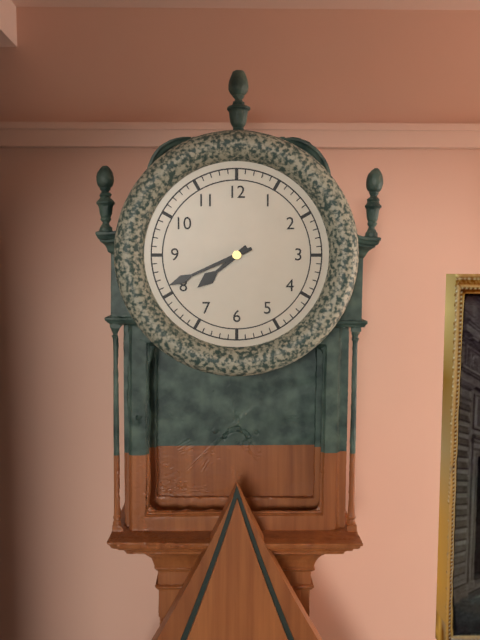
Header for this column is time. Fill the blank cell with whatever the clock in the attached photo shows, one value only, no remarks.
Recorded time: 7:41
